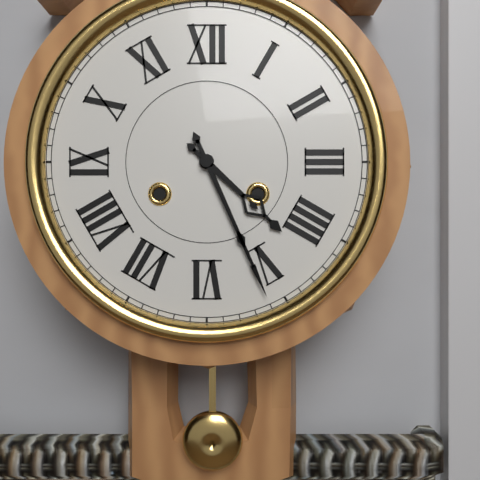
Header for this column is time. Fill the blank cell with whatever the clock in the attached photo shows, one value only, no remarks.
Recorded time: 4:26
